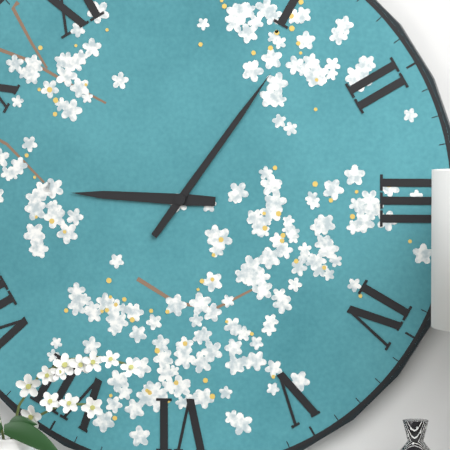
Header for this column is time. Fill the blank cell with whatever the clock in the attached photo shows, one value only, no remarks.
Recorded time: 9:06
